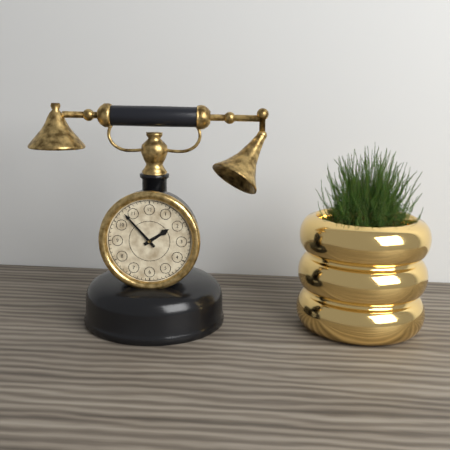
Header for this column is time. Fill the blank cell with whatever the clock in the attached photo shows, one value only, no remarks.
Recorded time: 1:53
